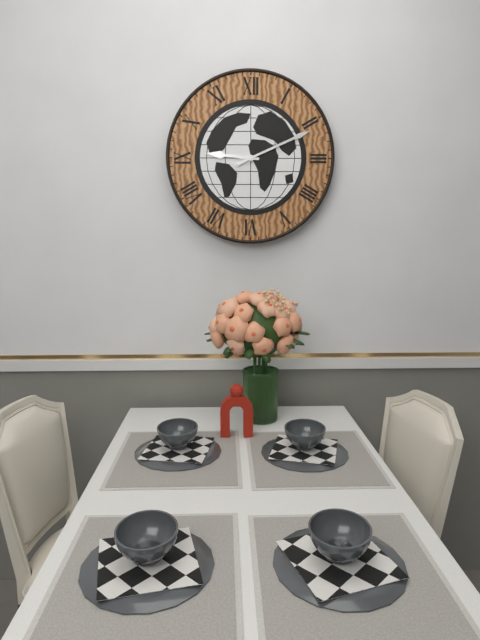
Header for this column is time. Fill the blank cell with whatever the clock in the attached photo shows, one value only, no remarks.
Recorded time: 9:11
